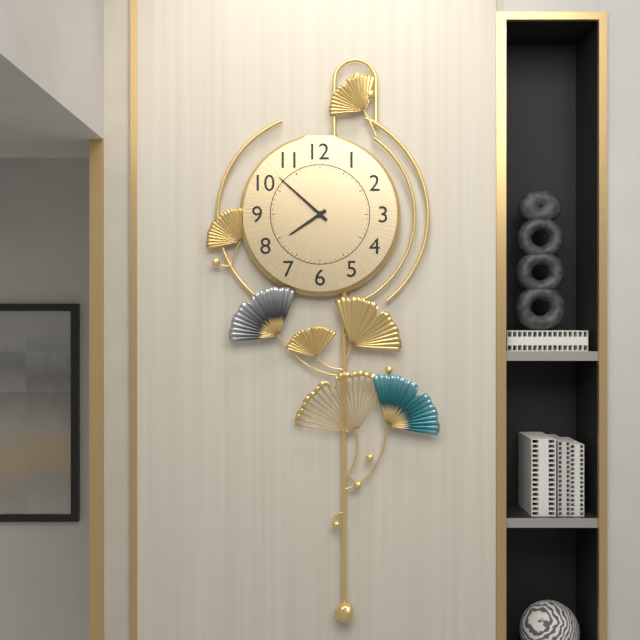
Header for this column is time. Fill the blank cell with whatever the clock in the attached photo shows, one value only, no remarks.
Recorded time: 7:52
